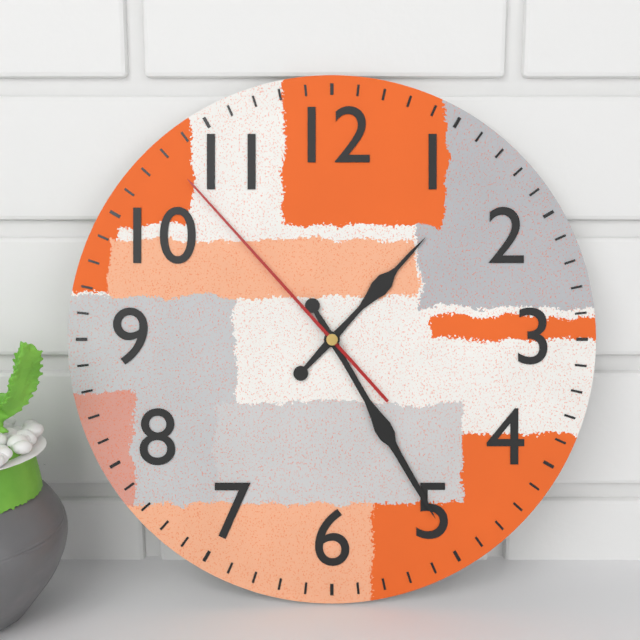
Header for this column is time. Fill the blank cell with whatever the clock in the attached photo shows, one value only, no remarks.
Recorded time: 1:25:53
